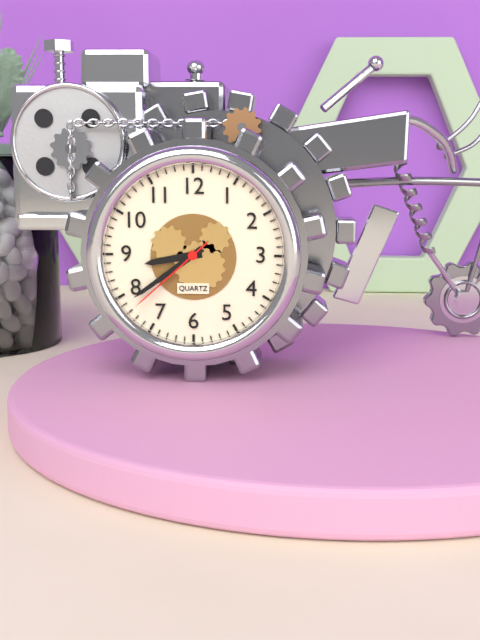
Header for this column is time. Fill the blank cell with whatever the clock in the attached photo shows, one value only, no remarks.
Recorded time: 8:39:38
